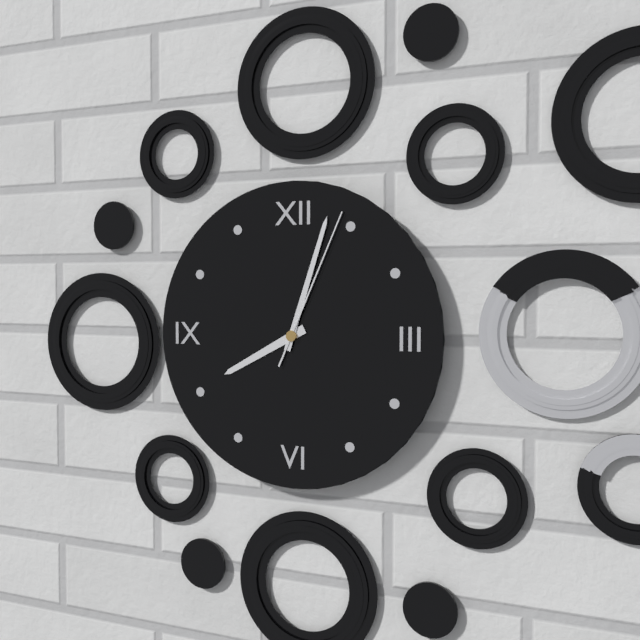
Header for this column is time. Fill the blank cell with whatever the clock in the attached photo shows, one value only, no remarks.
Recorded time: 8:03:04
